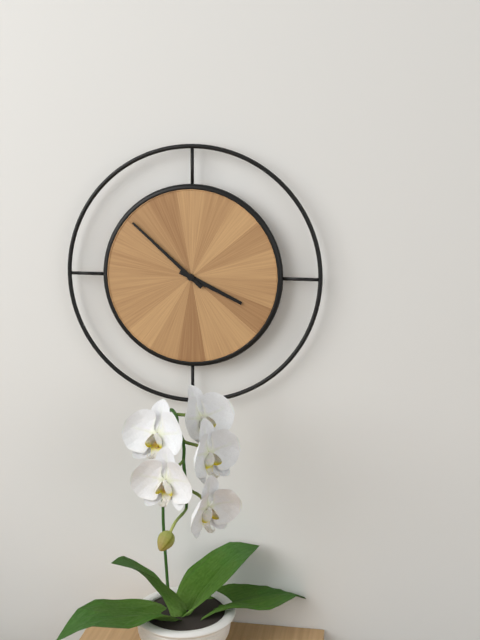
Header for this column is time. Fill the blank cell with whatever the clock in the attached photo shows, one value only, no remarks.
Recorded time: 3:52
